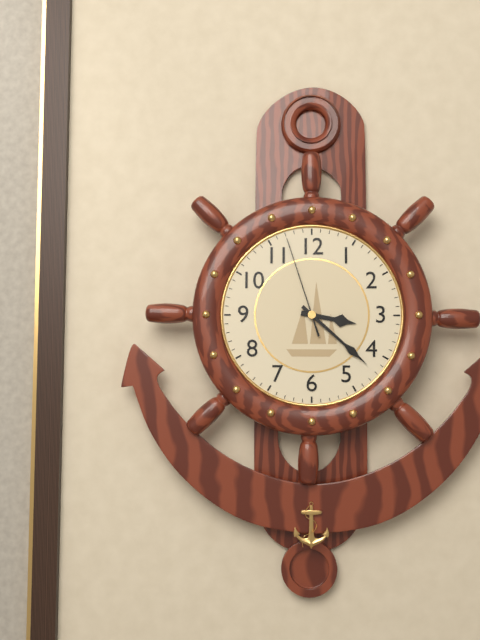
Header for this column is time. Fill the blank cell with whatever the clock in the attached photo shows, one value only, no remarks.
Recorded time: 3:22:57
